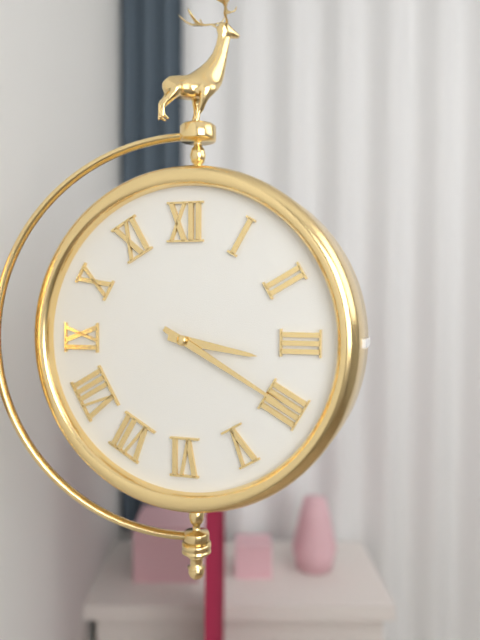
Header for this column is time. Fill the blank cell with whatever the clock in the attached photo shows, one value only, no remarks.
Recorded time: 3:20
